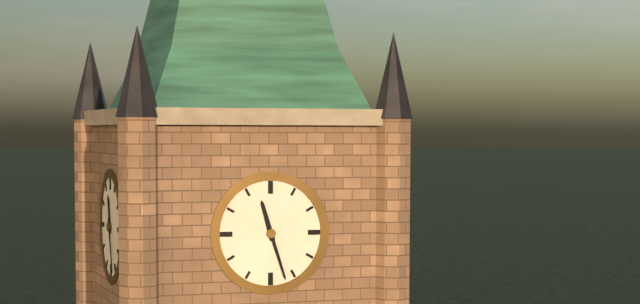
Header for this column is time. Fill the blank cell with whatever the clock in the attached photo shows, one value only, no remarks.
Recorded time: 11:27
